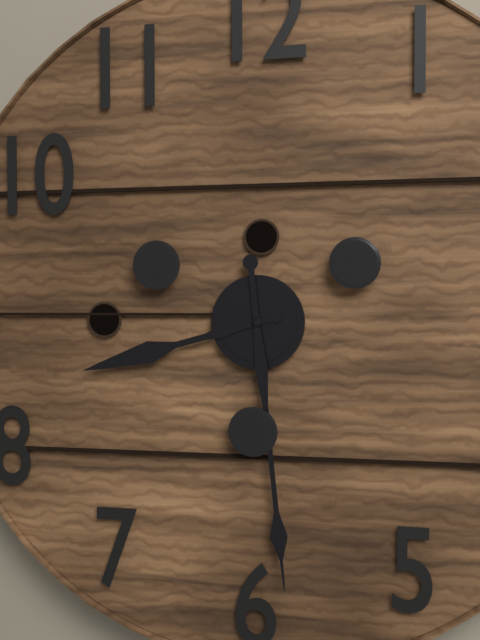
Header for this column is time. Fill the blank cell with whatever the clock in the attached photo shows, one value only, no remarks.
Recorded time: 8:29
